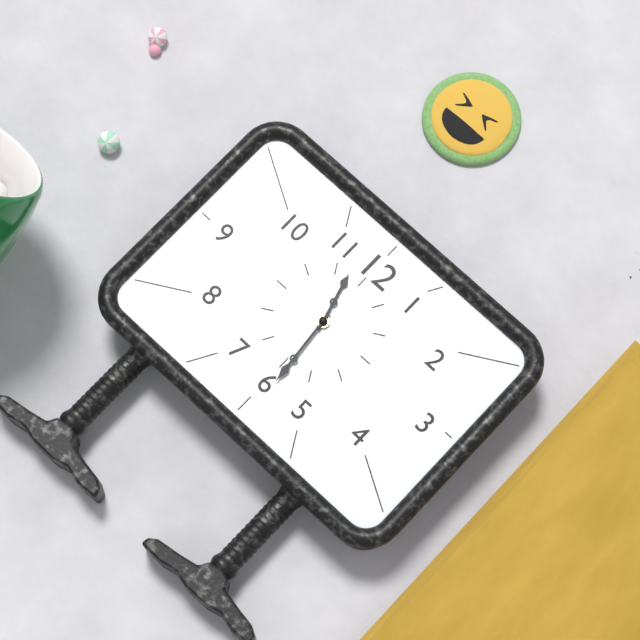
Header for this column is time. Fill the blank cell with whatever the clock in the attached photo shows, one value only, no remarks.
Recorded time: 11:29
